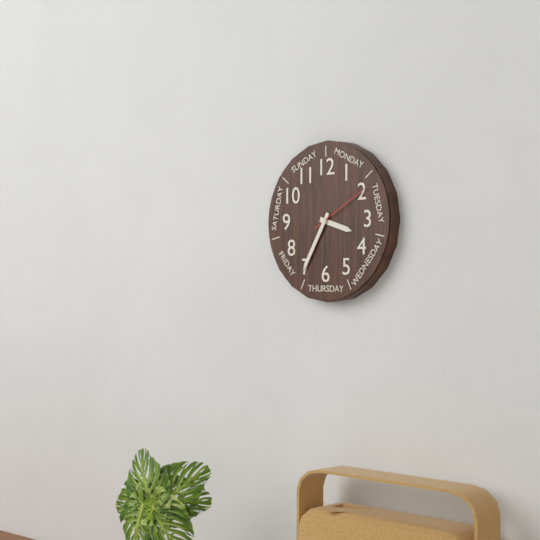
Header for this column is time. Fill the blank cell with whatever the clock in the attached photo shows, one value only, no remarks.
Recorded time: 3:35:10
